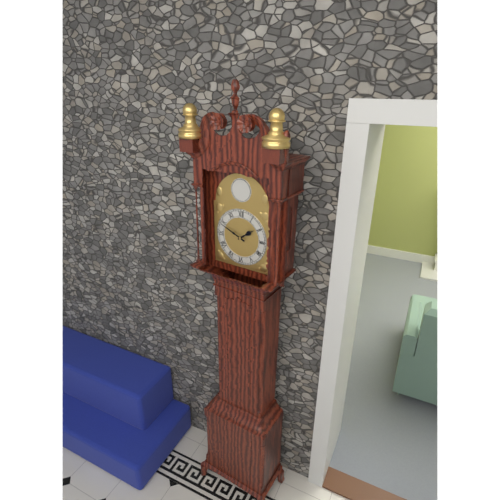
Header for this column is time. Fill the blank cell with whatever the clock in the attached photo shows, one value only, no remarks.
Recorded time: 1:49
